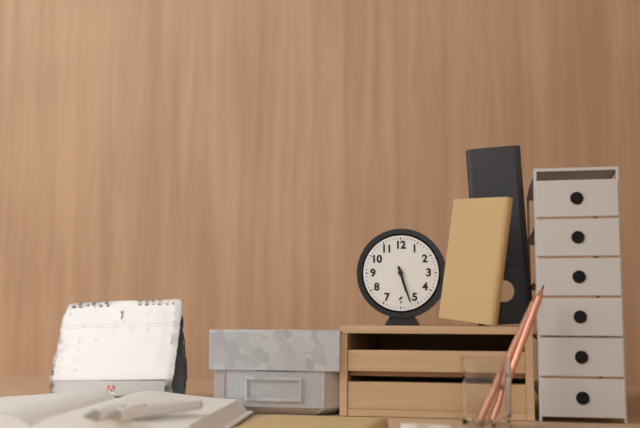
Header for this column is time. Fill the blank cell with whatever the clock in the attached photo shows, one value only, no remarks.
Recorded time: 5:27
